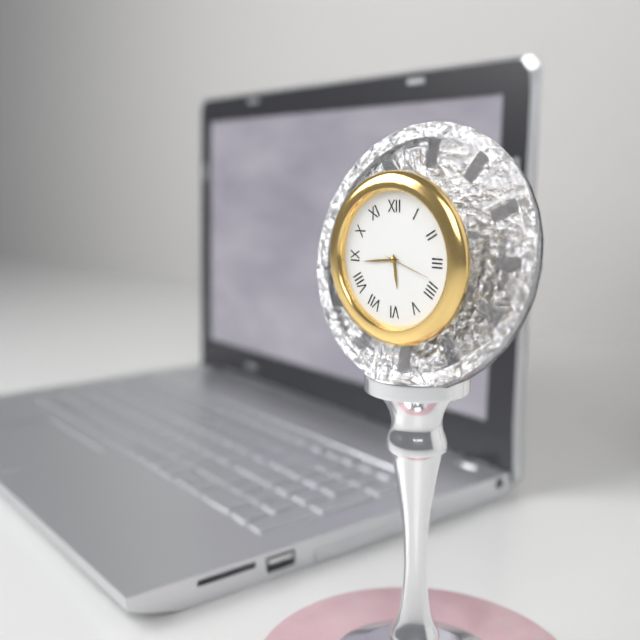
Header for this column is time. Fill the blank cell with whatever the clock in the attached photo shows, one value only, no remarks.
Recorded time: 5:44:18
